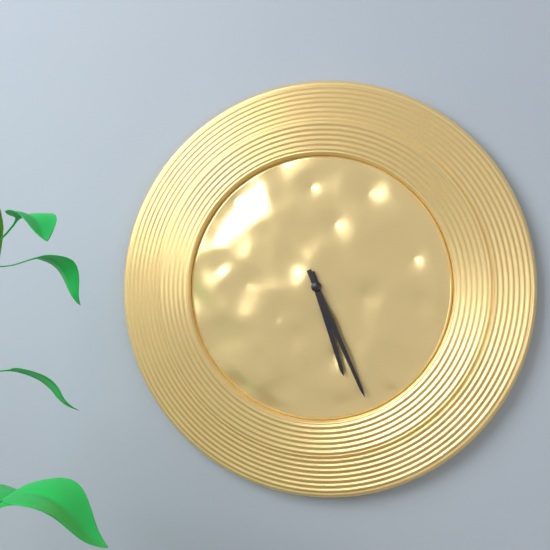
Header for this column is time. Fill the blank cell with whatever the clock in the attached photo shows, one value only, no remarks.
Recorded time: 5:26
